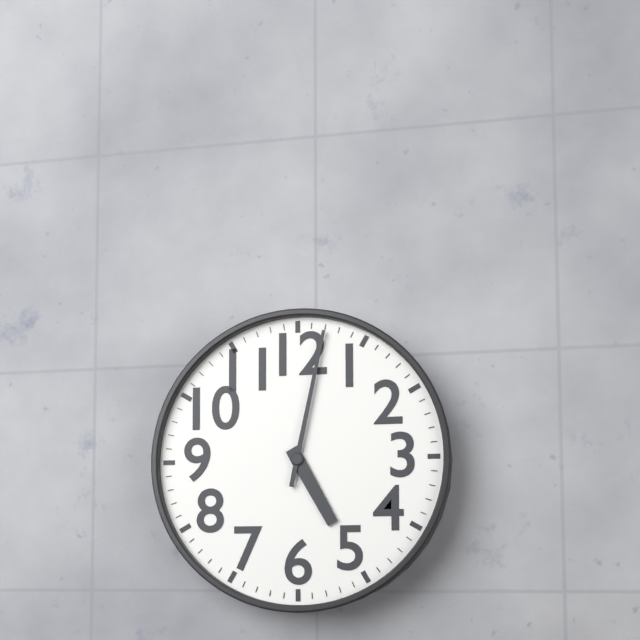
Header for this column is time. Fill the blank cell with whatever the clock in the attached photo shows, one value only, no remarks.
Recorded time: 5:02
